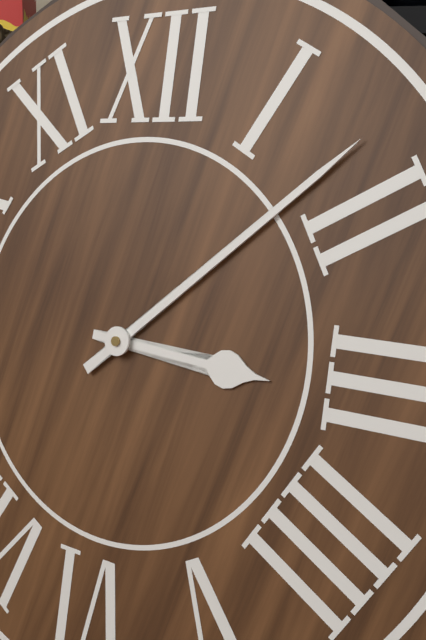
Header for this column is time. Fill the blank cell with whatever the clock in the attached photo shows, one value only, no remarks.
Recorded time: 3:08
